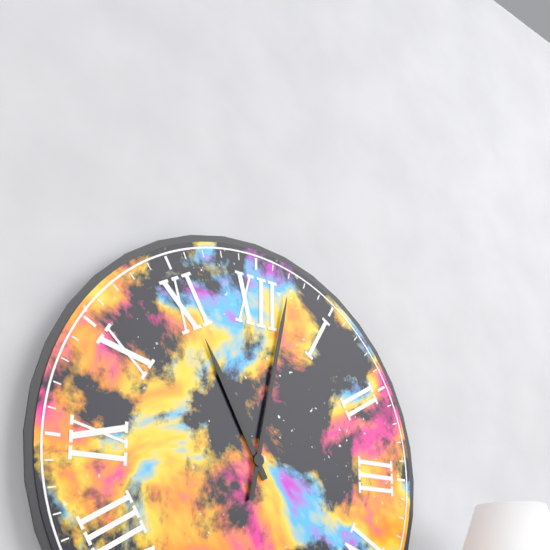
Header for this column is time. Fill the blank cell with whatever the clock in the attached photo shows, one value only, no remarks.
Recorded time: 11:02
